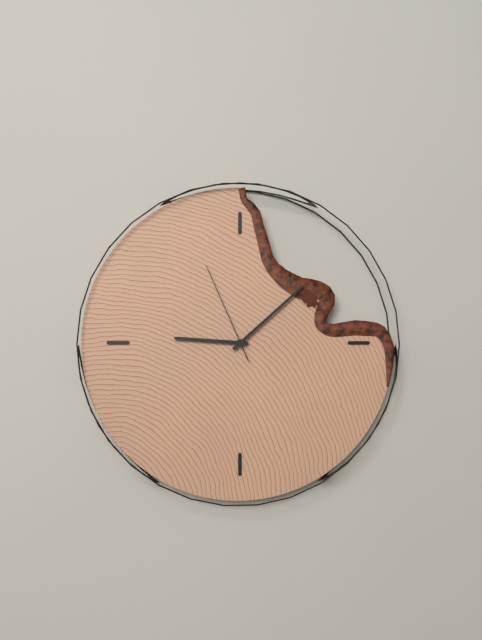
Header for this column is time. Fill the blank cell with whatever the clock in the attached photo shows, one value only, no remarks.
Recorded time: 9:08:56
